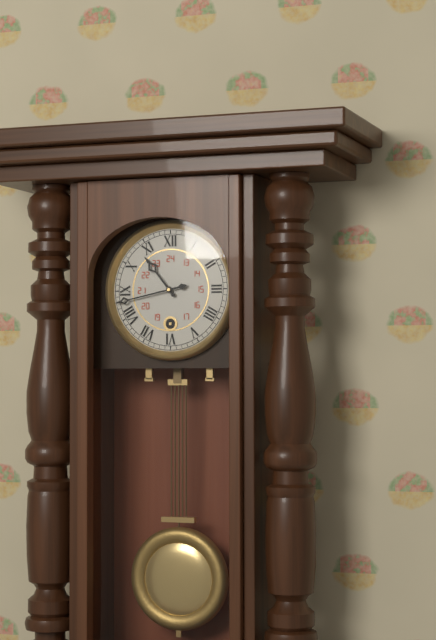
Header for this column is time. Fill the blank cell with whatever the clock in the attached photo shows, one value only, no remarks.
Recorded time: 10:43
